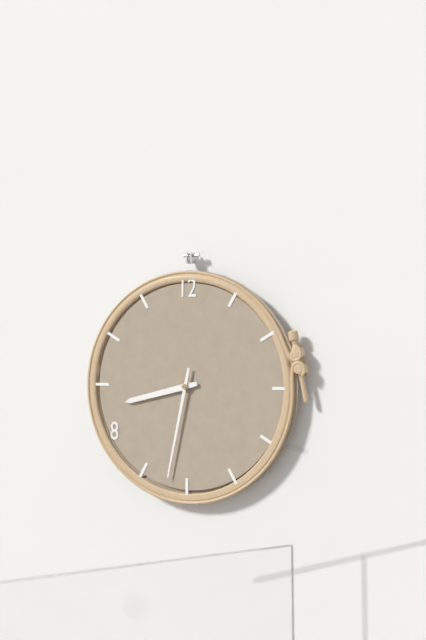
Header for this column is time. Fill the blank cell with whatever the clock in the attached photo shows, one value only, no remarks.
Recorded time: 8:32
